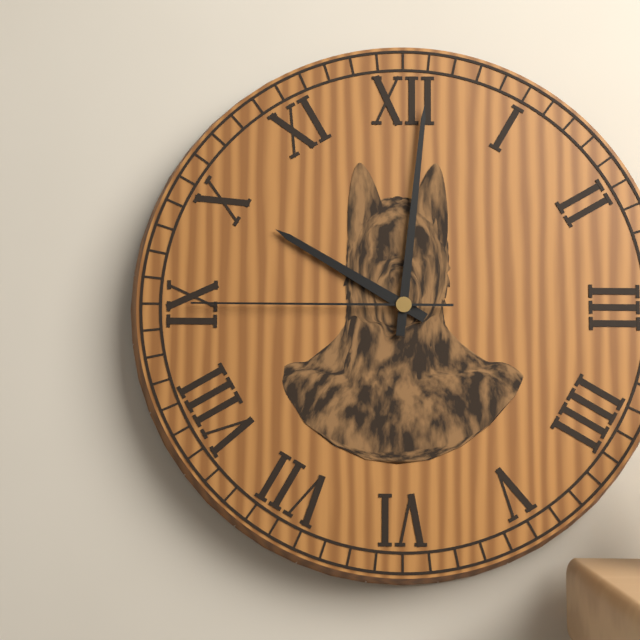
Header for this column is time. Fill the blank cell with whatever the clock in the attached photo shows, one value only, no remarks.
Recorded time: 10:01:45
